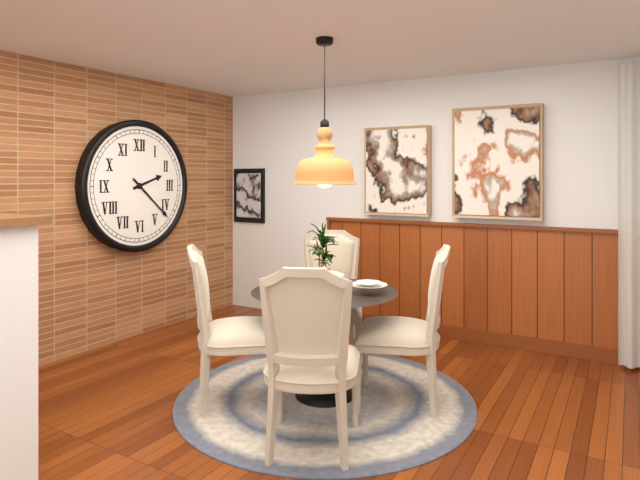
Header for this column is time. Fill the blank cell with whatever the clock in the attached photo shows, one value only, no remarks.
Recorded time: 2:22
